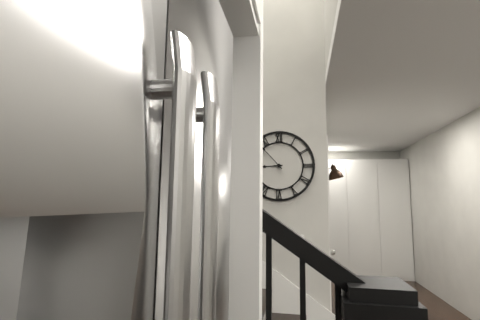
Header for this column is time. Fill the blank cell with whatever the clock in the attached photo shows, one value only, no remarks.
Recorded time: 8:53
